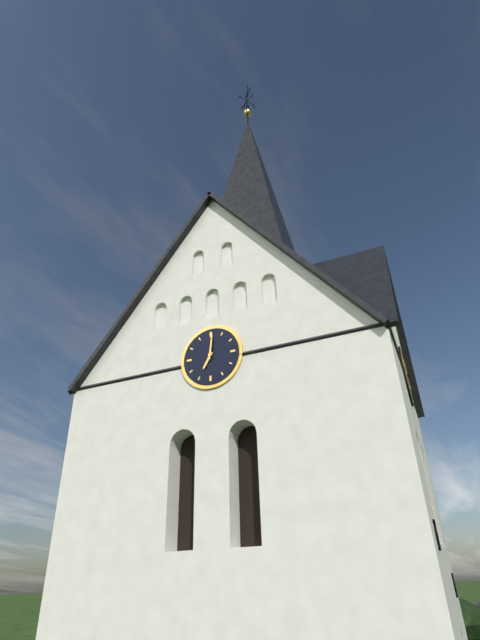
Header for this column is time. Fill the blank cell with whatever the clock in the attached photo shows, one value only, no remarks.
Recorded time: 7:01
